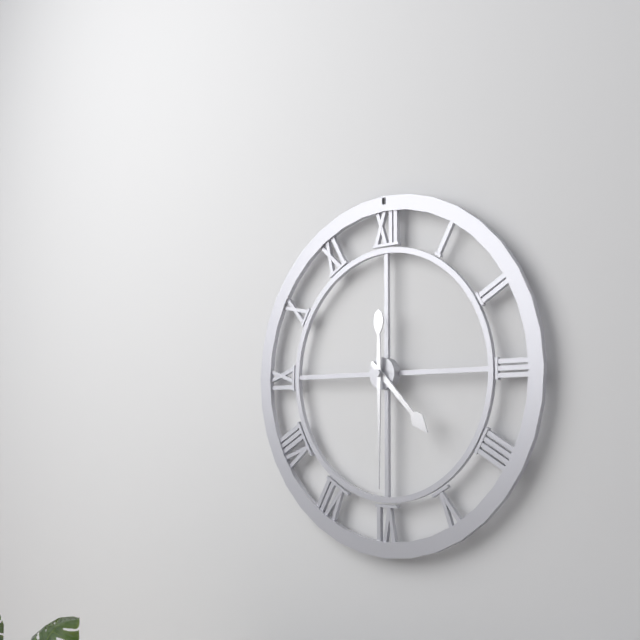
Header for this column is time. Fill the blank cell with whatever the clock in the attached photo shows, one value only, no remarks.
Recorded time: 4:30
